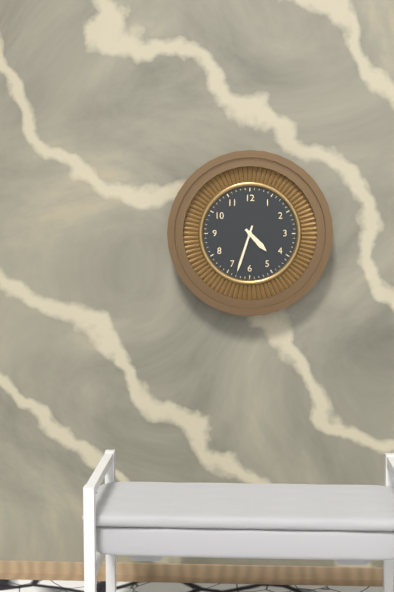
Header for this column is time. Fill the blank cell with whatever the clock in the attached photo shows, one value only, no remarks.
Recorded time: 4:33
